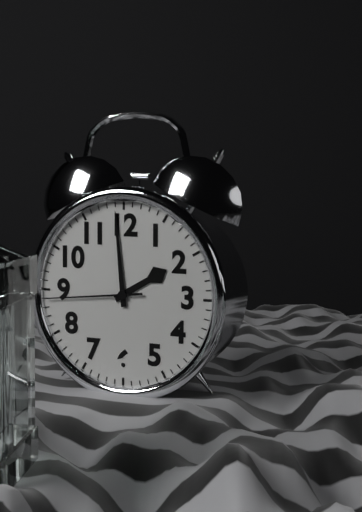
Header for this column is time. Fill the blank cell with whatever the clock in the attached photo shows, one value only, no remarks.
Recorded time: 1:59:44
